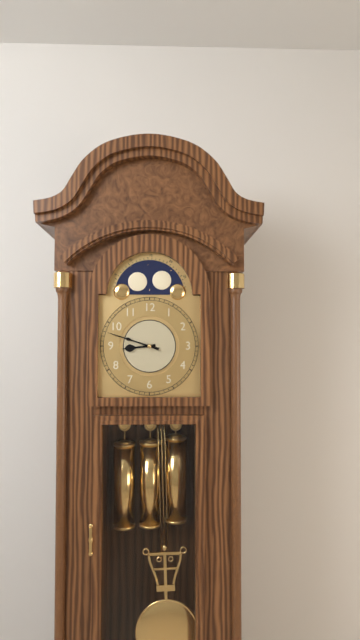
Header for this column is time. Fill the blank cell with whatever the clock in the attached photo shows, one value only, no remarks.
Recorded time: 8:48
